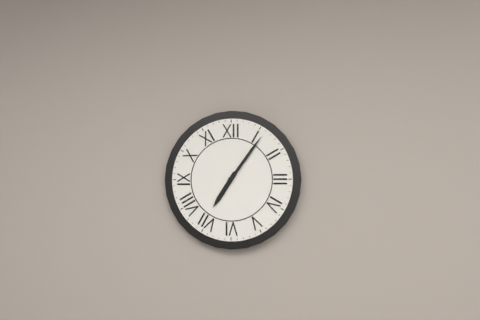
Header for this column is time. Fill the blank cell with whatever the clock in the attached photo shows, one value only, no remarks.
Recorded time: 7:06
